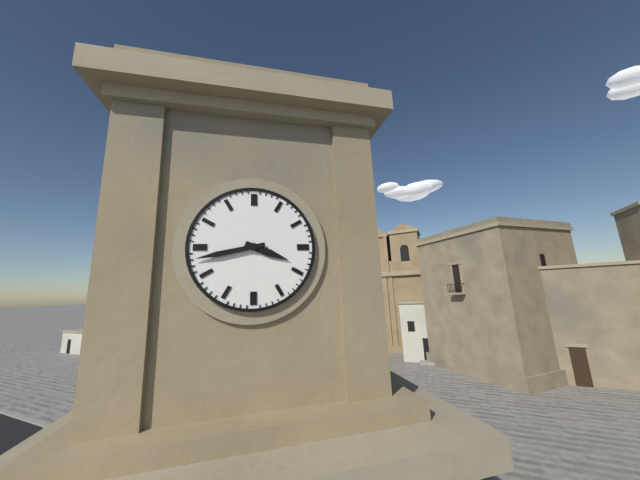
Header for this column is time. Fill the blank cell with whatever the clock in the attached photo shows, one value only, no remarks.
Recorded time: 3:43
